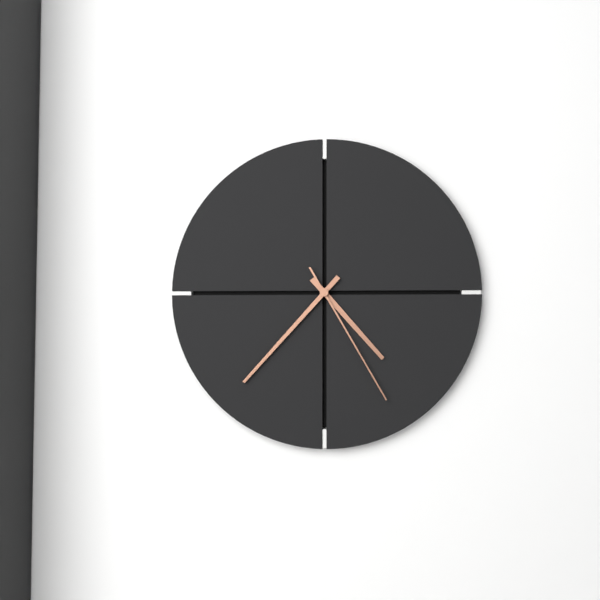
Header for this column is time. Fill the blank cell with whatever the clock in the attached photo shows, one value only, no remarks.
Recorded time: 4:37:25
